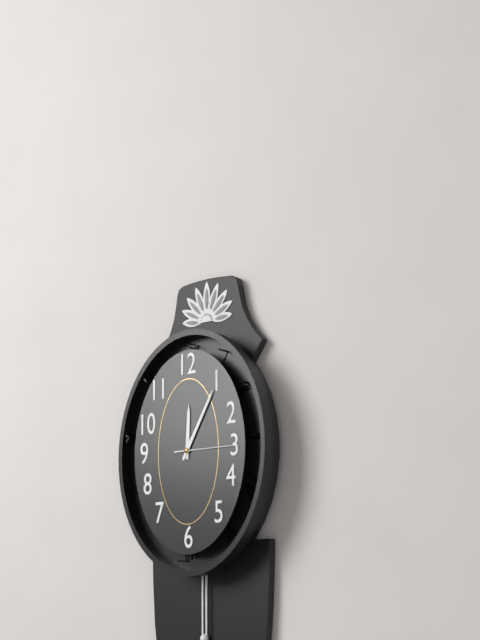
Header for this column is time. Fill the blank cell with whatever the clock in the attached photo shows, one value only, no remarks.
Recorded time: 12:05:15
